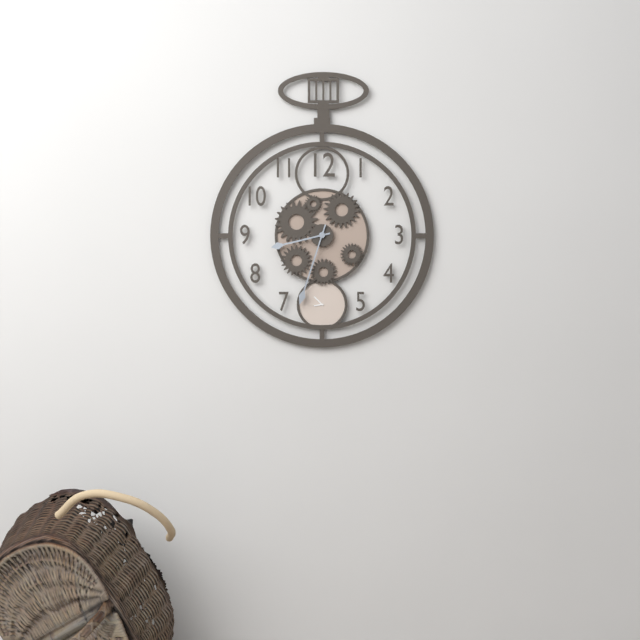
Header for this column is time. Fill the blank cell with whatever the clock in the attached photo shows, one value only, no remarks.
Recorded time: 8:33
